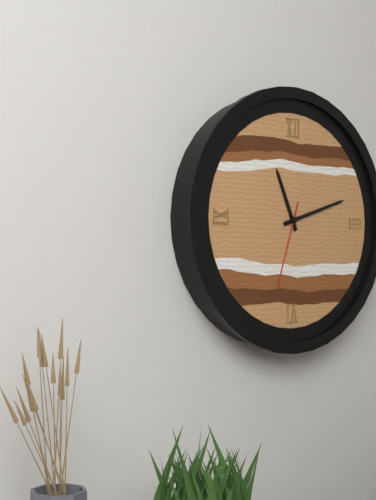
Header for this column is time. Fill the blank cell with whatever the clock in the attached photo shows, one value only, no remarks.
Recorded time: 11:12:33
